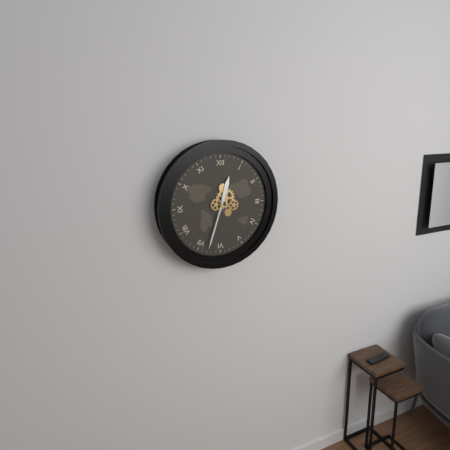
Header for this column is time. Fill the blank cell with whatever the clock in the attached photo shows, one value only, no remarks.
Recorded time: 12:33
